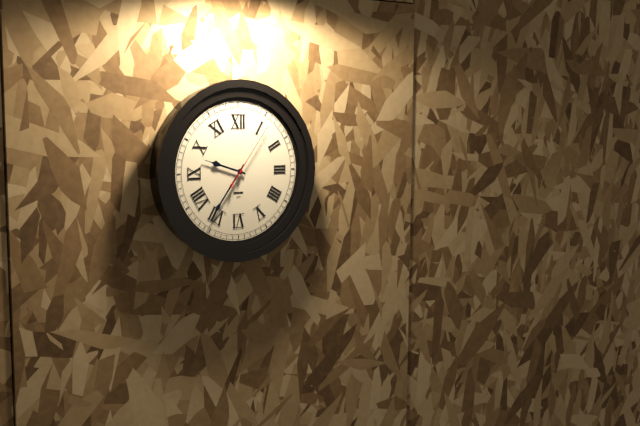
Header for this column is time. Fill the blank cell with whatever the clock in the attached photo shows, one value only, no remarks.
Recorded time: 9:36:06
